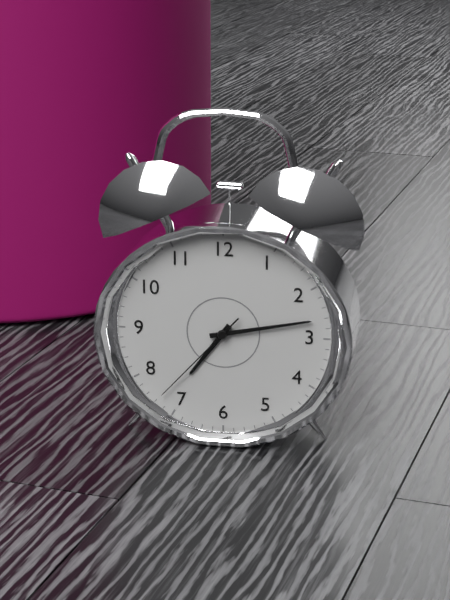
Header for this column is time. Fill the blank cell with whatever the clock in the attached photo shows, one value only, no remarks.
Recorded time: 7:13:37
